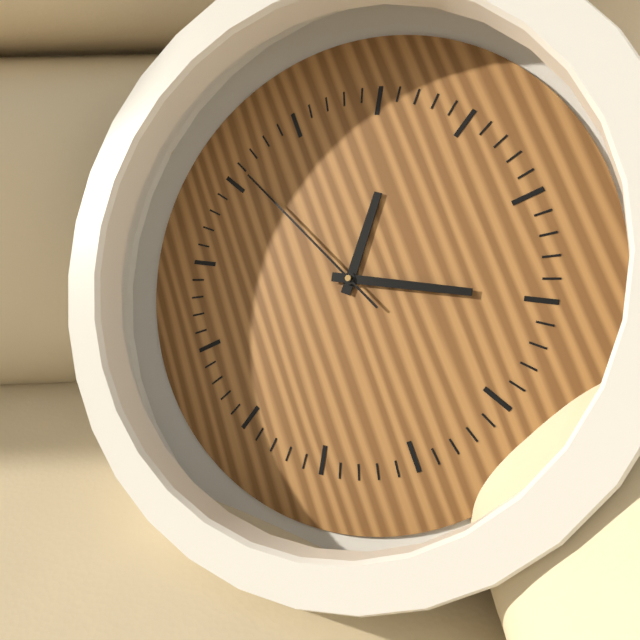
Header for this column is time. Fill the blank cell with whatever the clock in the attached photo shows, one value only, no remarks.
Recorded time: 1:20:56
